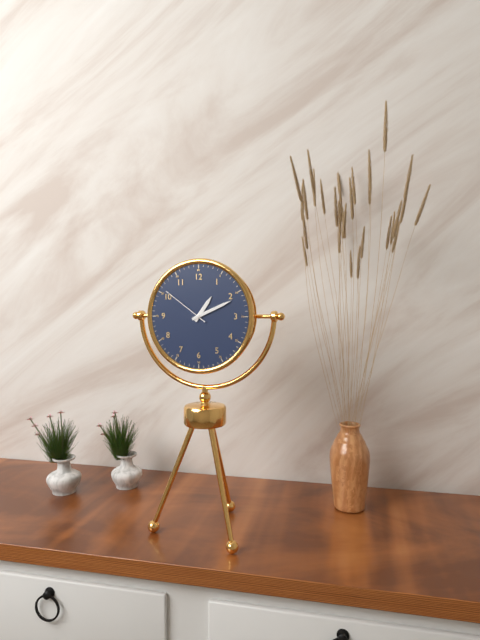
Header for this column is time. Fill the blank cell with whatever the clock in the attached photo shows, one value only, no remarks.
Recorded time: 1:11:51
